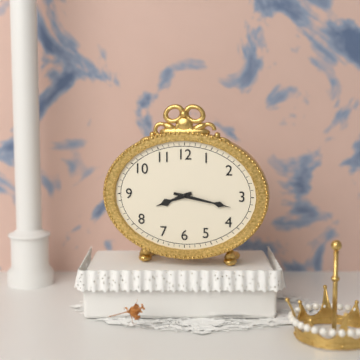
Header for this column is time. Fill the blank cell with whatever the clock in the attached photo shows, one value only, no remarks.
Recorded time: 8:17
